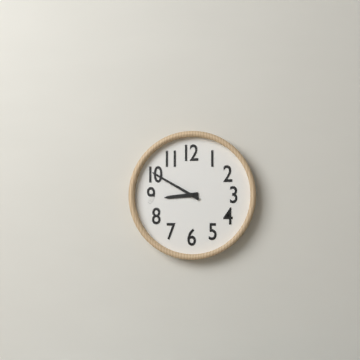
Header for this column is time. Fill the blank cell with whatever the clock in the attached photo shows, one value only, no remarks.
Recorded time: 8:50
